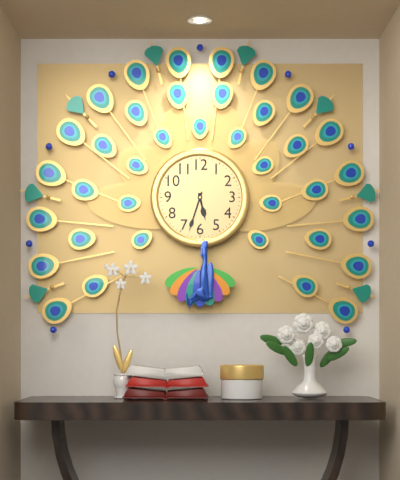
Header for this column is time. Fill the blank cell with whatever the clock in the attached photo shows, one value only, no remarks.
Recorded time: 5:33
